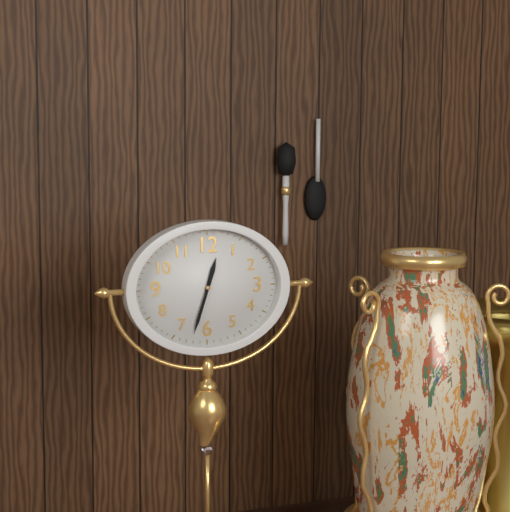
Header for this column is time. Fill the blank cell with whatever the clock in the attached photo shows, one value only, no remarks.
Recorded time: 12:33
